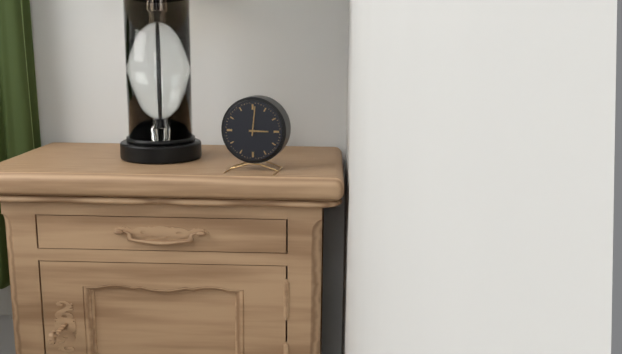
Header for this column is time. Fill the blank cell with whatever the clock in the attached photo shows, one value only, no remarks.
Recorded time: 3:01
